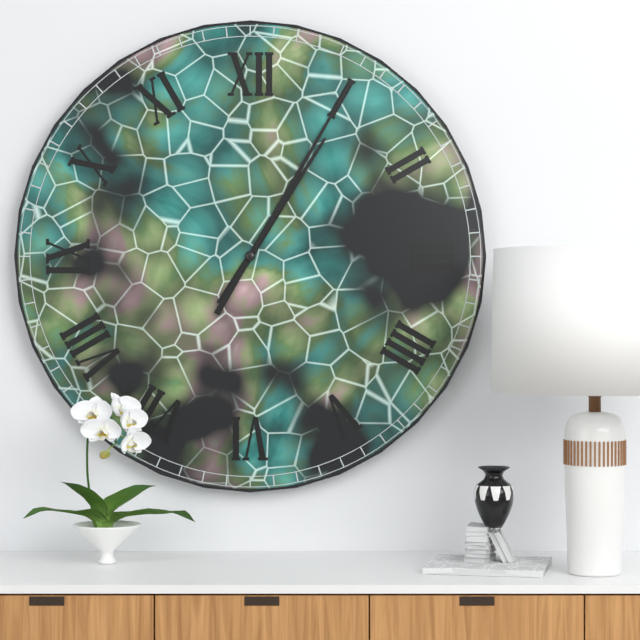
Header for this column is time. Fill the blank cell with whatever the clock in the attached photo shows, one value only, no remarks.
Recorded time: 1:05
